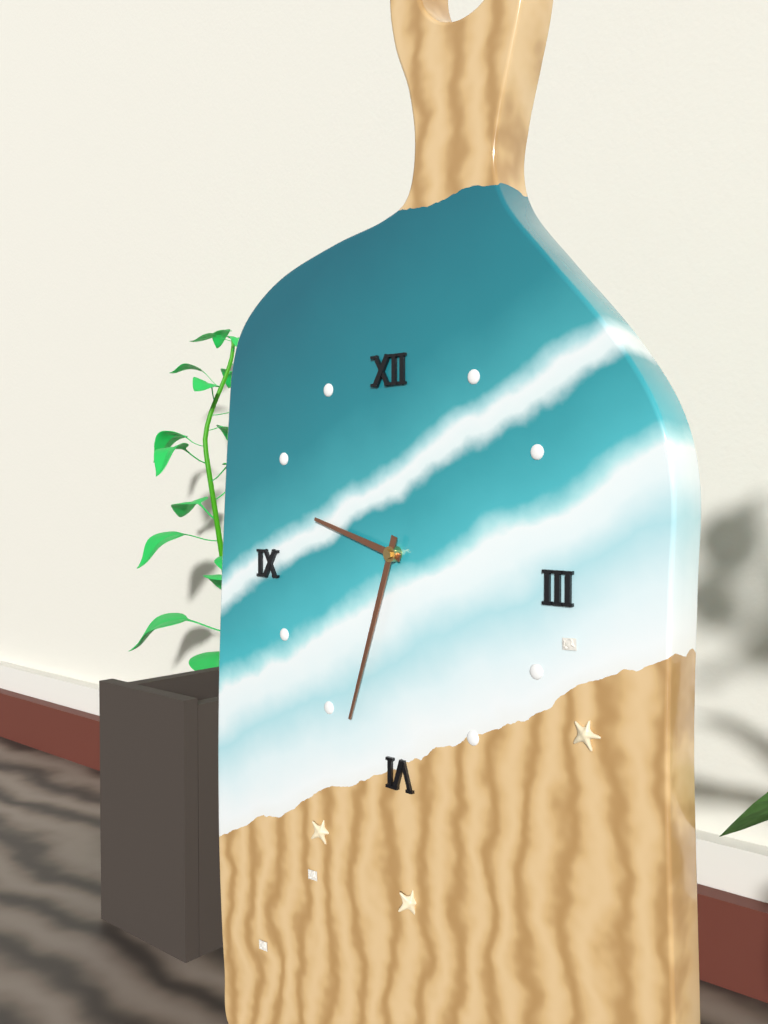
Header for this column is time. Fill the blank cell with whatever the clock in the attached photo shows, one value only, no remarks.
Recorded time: 9:33
